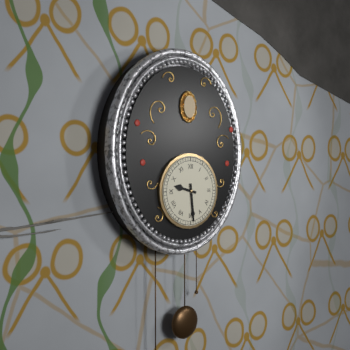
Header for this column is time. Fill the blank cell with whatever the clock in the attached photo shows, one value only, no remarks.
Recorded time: 9:29
